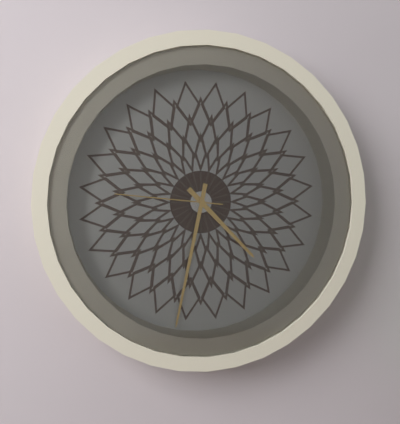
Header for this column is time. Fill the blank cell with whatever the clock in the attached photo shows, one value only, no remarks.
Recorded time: 4:32:46
